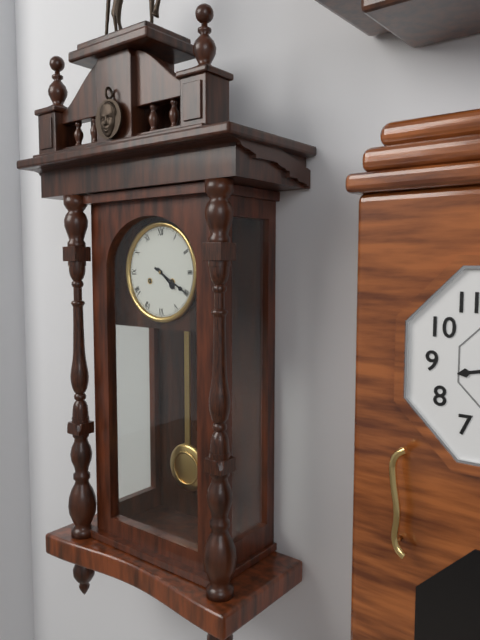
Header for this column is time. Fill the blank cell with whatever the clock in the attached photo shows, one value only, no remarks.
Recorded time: 4:20
